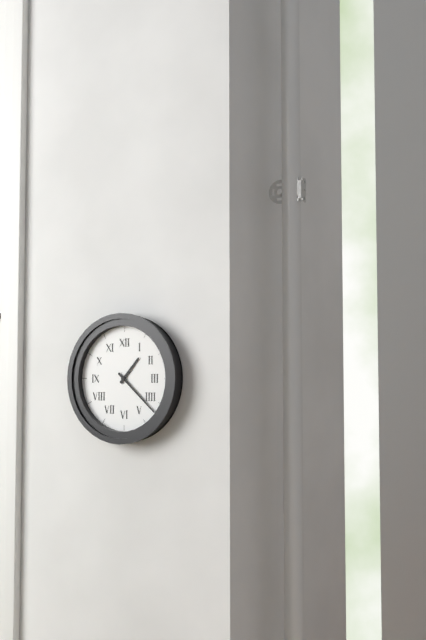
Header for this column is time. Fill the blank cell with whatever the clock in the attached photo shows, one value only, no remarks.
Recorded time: 1:22
